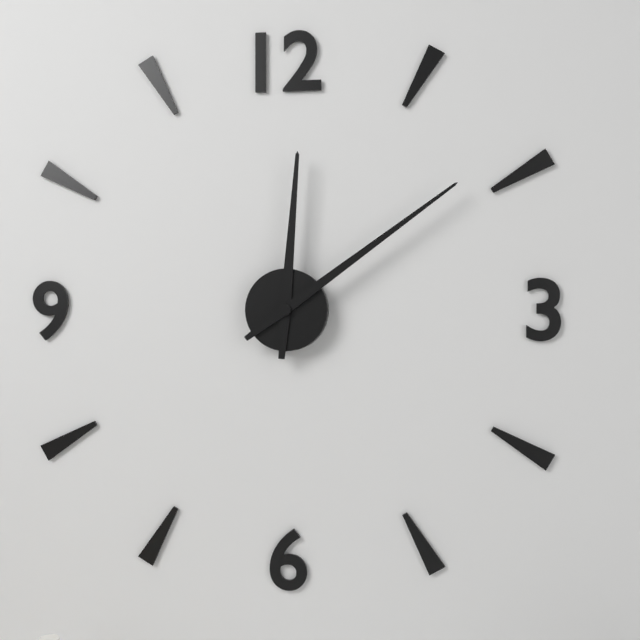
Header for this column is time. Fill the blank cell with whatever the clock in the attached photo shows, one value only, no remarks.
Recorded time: 12:09
